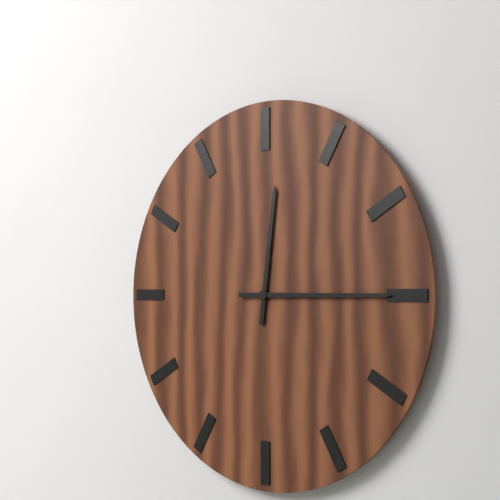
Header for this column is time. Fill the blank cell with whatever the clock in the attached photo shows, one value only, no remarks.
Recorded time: 12:15
